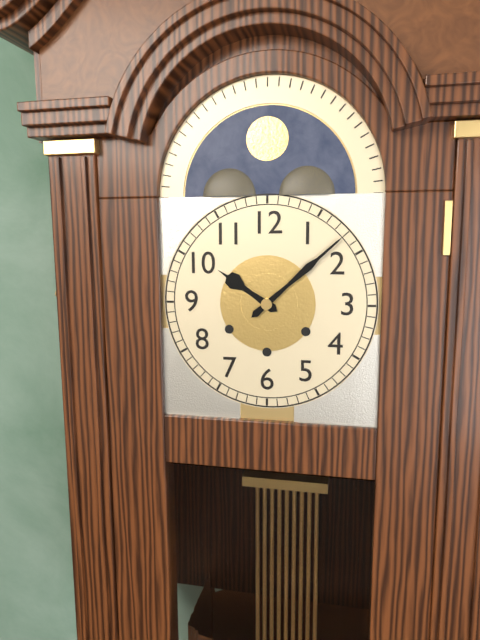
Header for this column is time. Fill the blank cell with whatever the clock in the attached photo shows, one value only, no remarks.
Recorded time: 10:08
